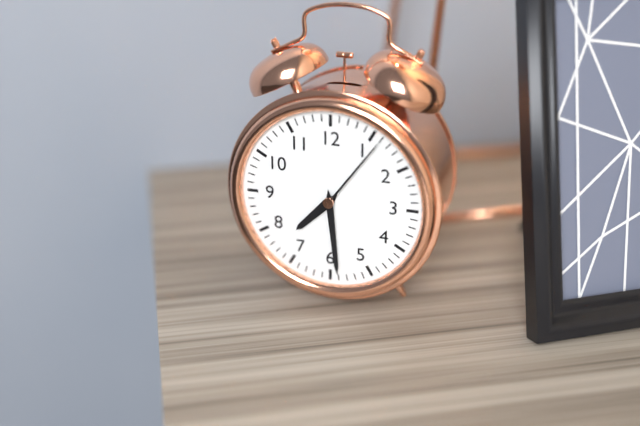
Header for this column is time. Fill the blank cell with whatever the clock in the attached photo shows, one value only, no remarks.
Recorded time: 7:29:06
